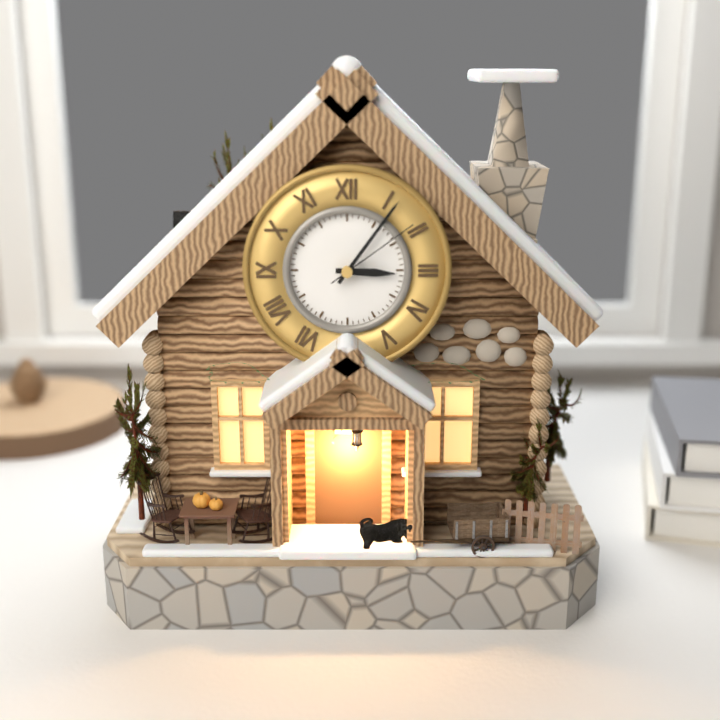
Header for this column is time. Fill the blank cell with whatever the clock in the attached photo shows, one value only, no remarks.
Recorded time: 3:06:09
